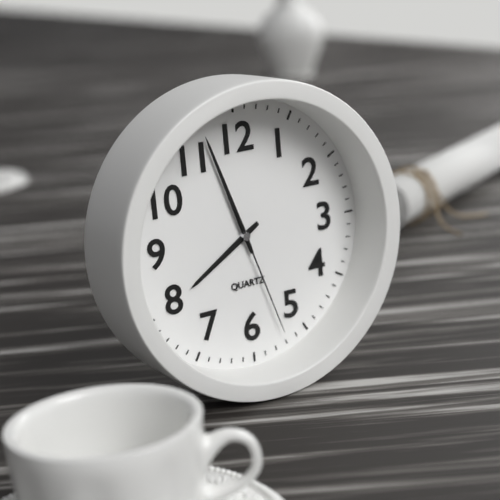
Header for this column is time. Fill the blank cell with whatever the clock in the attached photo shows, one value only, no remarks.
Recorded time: 7:57:27
